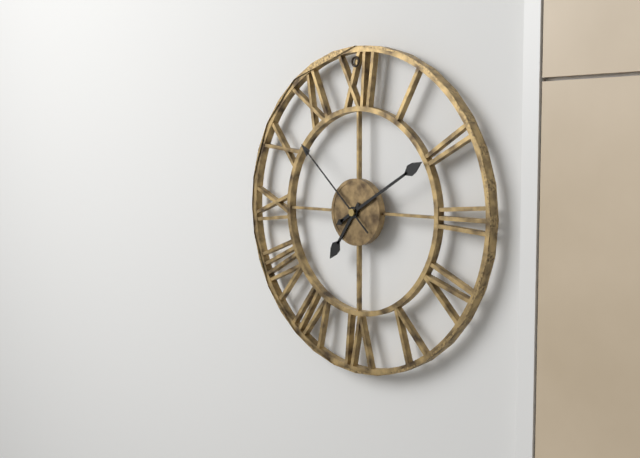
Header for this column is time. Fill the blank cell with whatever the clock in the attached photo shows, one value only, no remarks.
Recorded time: 7:10:52
